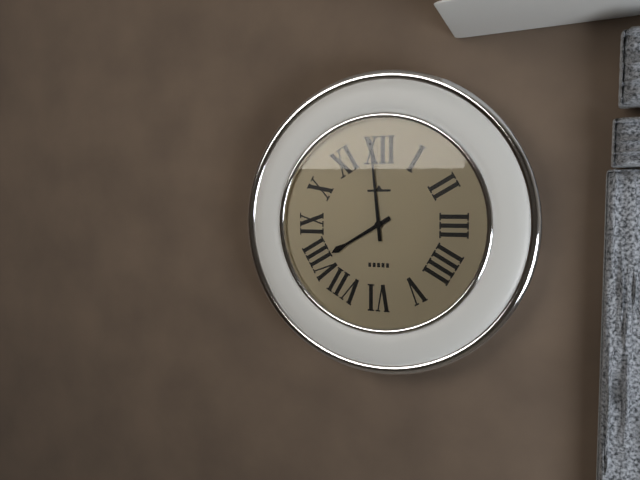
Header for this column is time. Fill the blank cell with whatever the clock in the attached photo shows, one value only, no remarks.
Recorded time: 7:59
